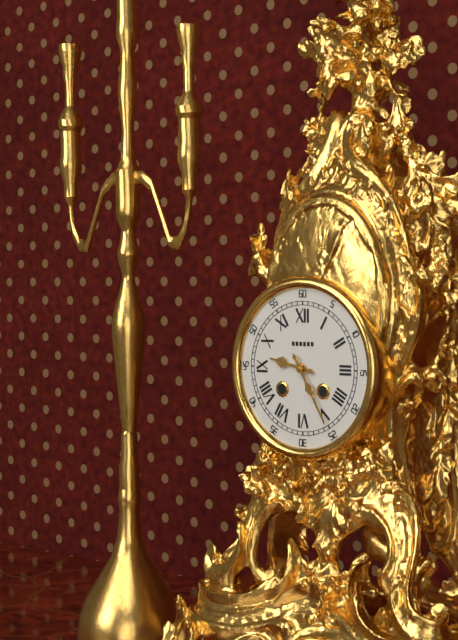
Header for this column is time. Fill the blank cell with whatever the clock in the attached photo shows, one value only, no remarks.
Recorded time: 9:25
